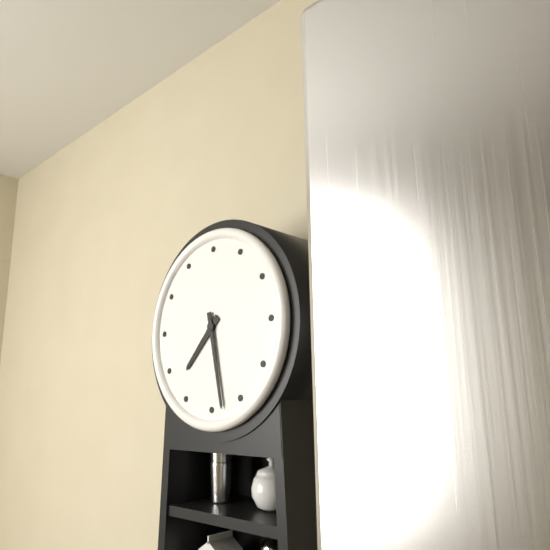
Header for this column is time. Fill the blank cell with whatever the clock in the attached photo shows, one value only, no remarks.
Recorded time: 7:28
